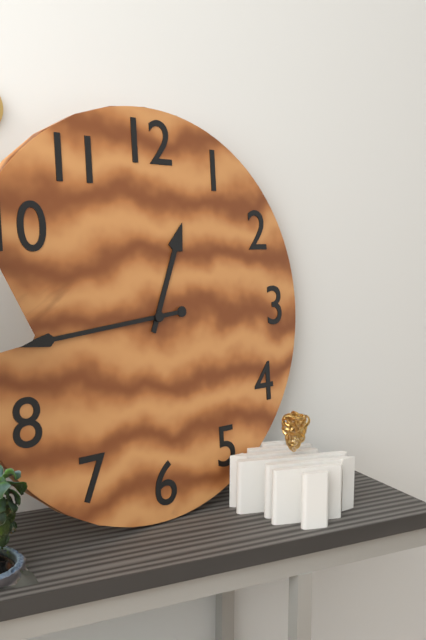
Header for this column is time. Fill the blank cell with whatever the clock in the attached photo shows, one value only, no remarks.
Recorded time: 12:44
